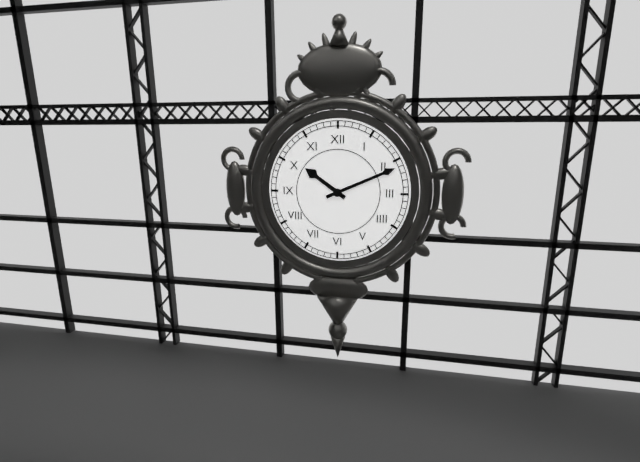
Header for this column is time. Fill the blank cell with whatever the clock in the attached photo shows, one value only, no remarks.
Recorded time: 10:11
